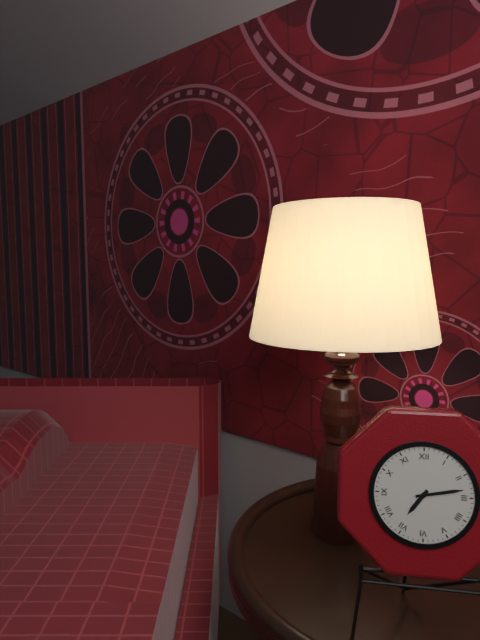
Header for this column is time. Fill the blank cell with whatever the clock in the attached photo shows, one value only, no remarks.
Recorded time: 7:13
